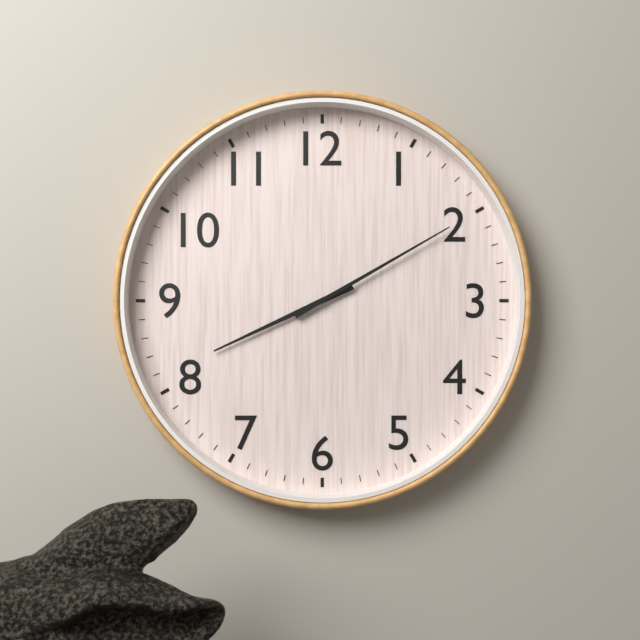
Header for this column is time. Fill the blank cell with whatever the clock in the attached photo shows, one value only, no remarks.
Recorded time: 8:10
